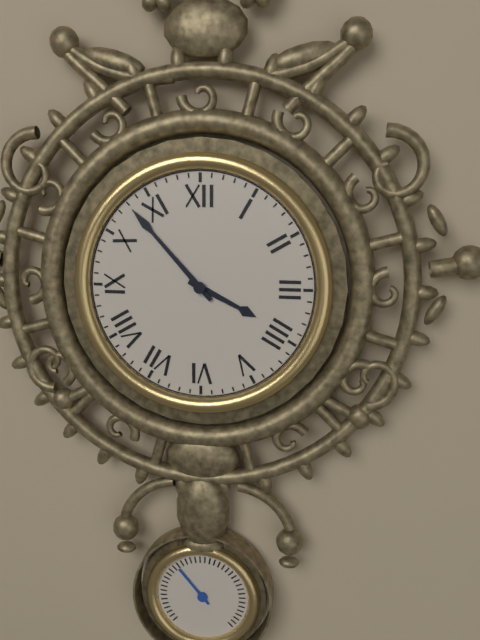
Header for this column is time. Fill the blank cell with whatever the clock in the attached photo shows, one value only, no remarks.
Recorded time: 3:53
